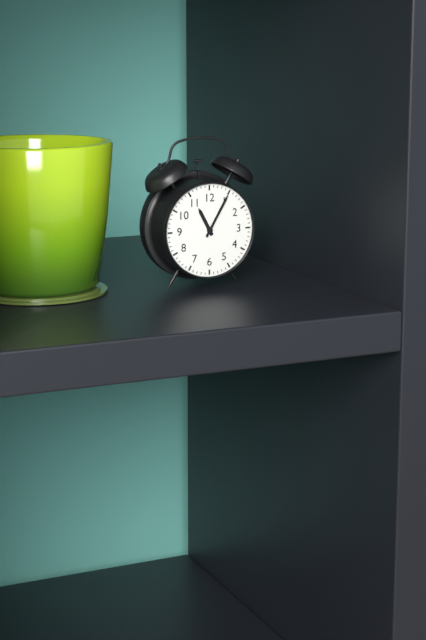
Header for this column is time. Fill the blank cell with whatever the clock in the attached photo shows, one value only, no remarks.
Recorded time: 11:05
